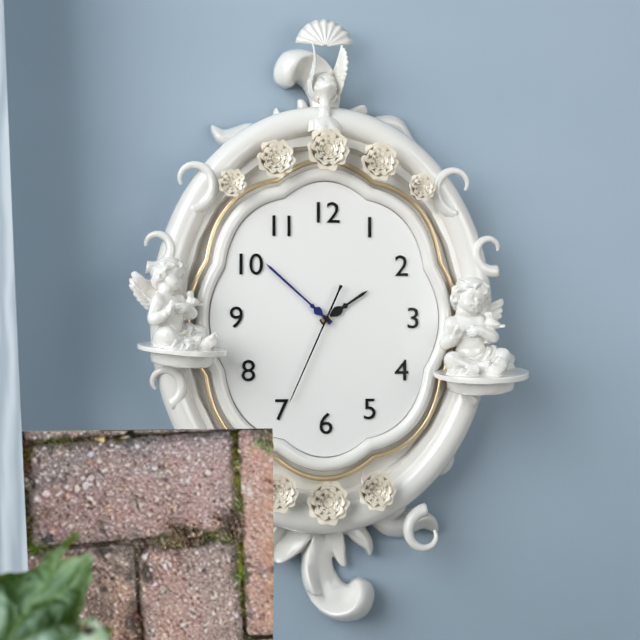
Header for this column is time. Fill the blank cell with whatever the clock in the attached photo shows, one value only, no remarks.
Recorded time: 1:52:34
